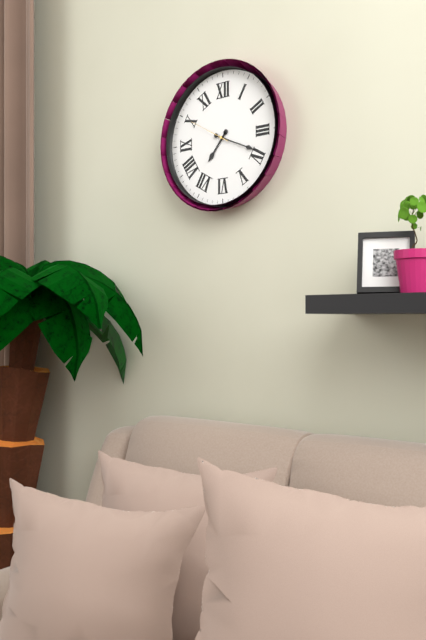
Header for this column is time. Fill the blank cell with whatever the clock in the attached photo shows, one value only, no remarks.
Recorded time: 7:19:50
